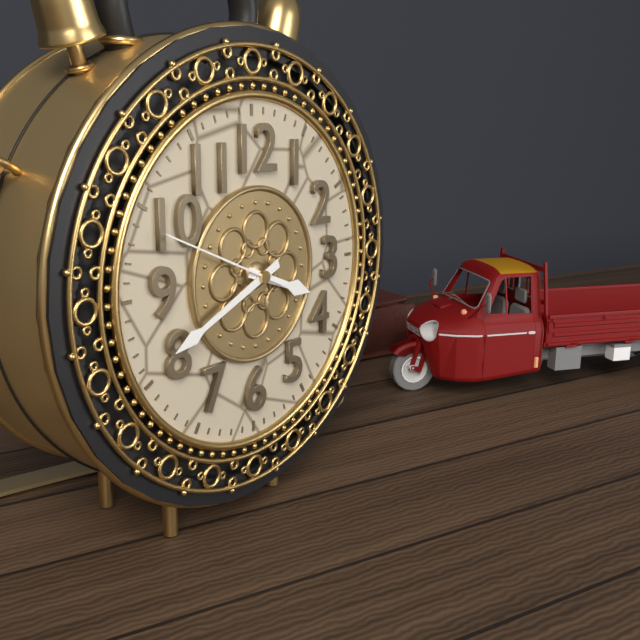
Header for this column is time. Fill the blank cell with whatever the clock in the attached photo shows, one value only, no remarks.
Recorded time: 3:41:49
